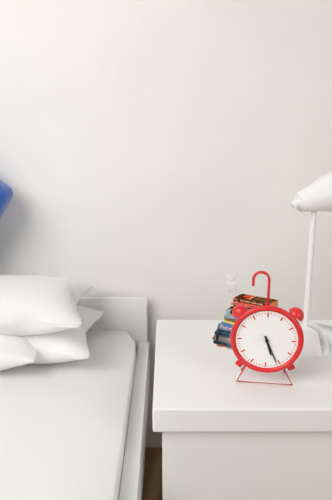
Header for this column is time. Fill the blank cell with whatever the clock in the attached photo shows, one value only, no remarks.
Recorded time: 5:26
